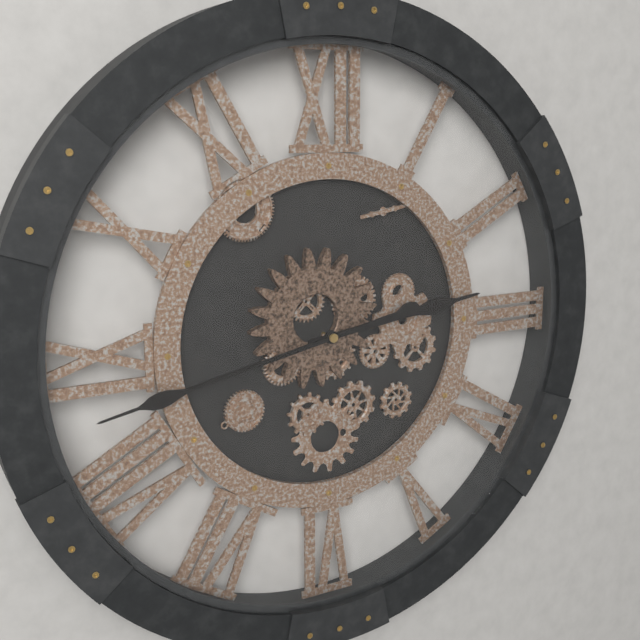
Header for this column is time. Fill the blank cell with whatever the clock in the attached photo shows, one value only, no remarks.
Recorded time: 2:43
